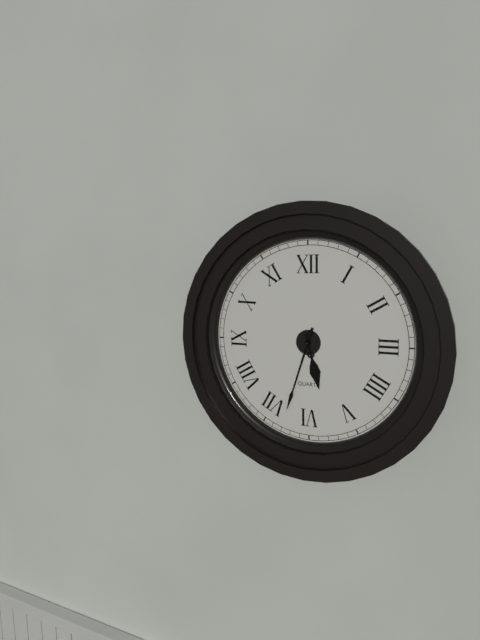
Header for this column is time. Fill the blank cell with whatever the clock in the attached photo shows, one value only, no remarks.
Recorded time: 5:33
